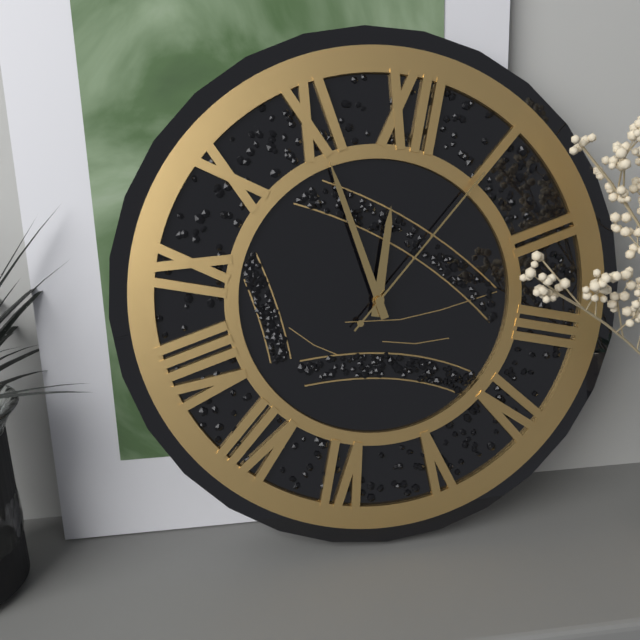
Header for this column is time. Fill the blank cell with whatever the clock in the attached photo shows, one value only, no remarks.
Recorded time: 11:55:05
